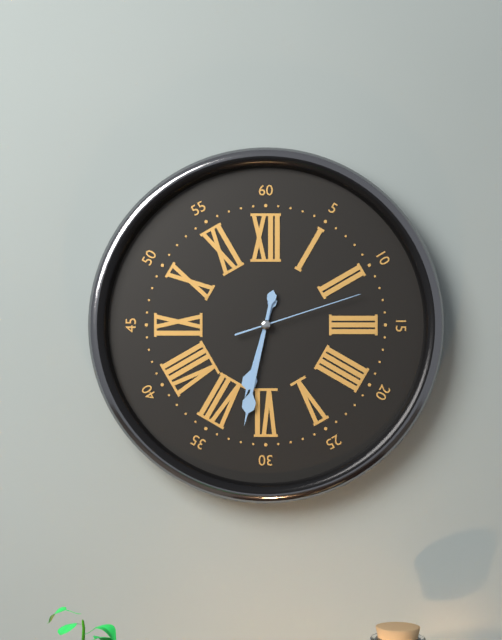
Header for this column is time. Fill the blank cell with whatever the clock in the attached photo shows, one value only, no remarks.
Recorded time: 6:32:12
